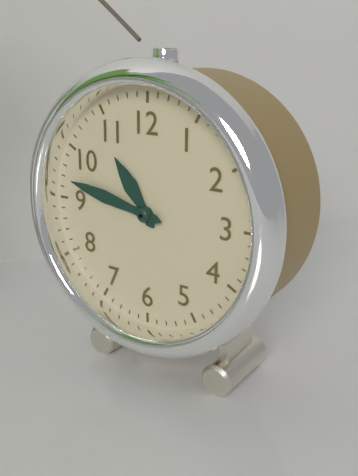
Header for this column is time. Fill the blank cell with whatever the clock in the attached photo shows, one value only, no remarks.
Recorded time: 10:47
